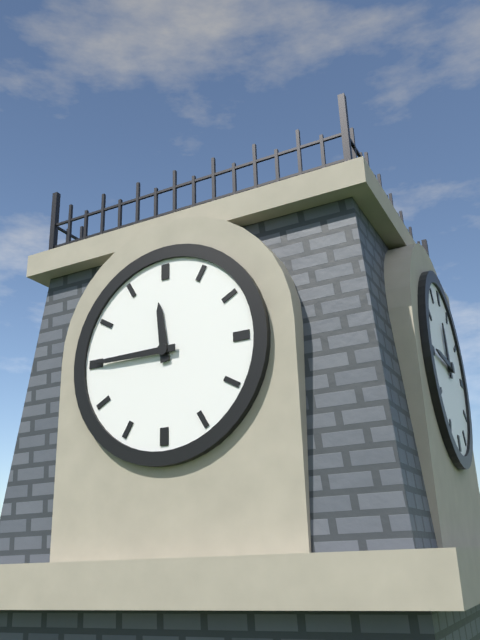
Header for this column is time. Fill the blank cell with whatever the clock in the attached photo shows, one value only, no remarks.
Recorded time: 11:45
